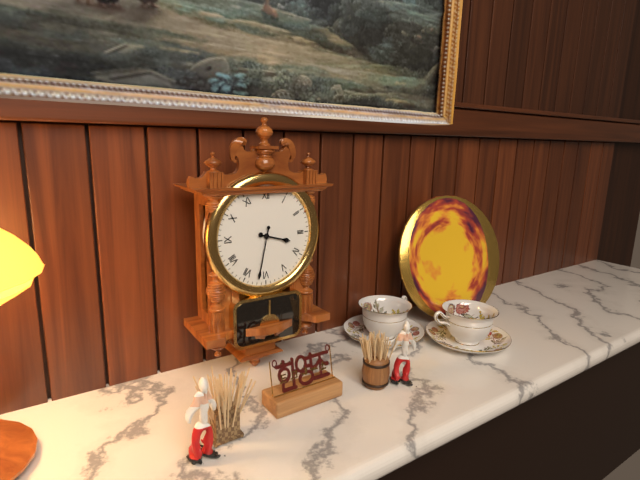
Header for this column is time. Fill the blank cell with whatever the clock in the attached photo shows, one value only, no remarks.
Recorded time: 3:32
